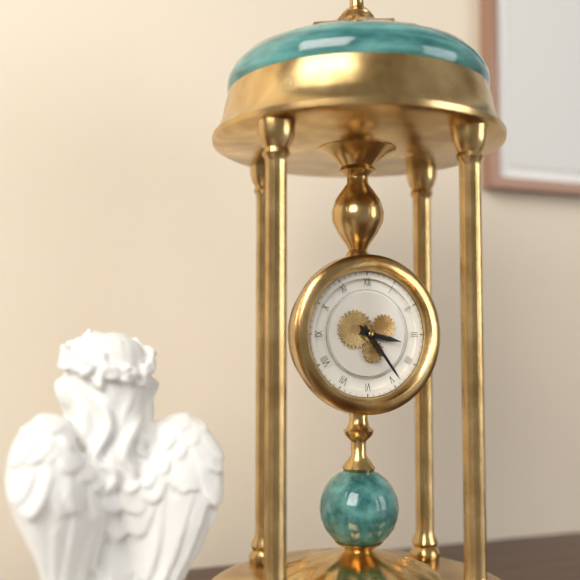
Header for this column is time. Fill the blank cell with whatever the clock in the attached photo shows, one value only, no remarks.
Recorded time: 3:24
